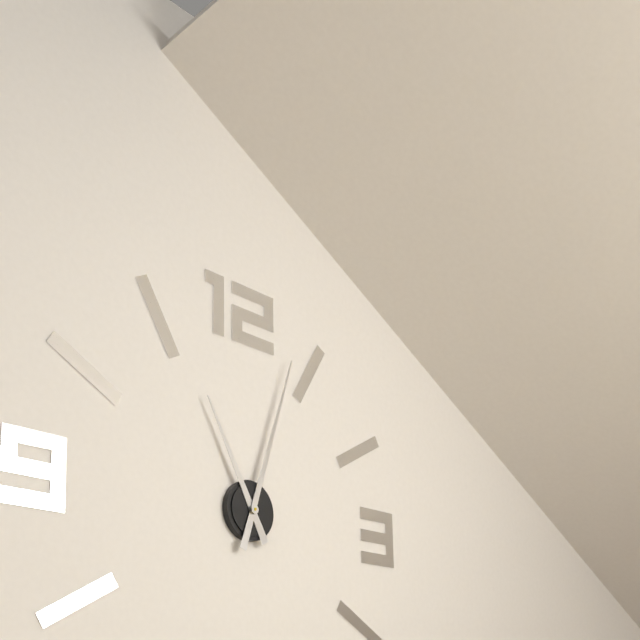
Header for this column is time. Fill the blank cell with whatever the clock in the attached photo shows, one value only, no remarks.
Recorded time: 11:03
